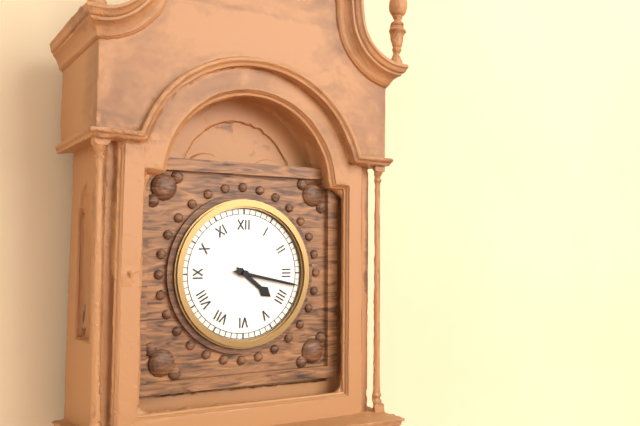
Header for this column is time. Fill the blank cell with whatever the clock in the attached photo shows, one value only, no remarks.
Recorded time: 4:17
